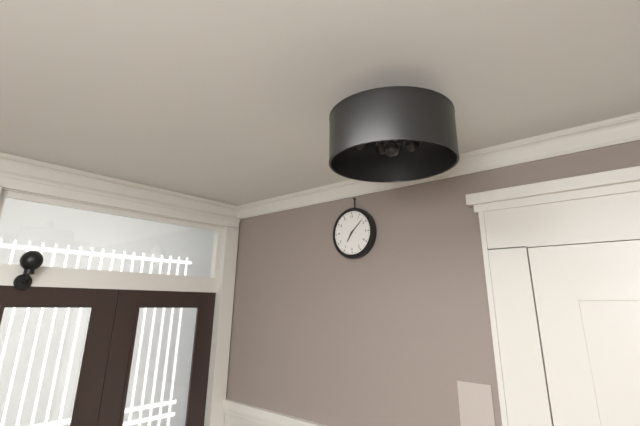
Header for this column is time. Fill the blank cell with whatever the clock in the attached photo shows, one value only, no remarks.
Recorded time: 7:08
